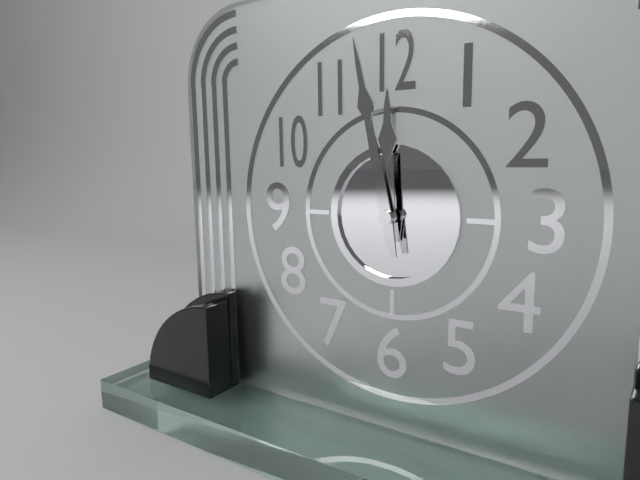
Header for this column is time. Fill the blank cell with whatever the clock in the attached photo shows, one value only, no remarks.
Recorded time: 11:58
